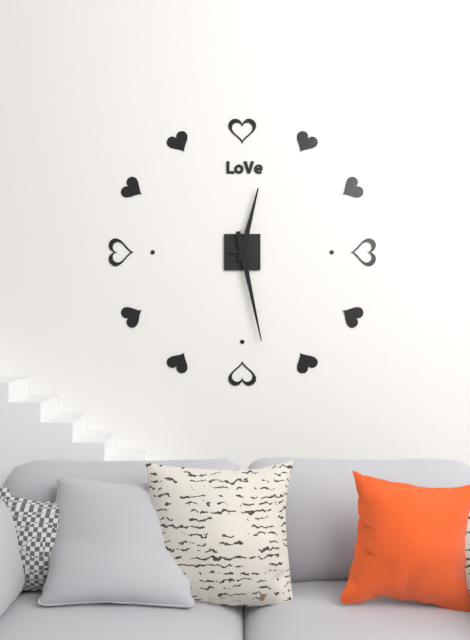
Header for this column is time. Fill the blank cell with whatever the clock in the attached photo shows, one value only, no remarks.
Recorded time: 12:28
